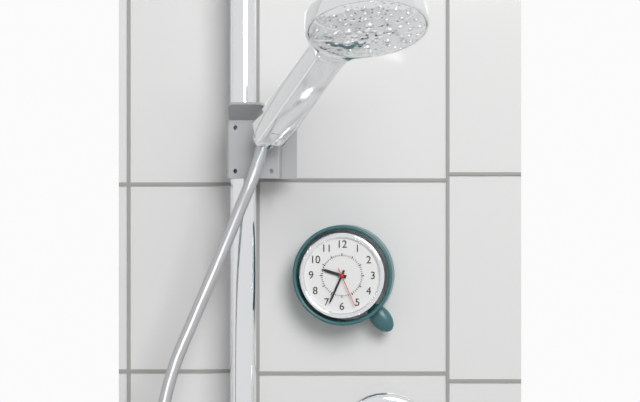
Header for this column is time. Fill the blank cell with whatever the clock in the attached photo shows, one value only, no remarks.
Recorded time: 9:34
